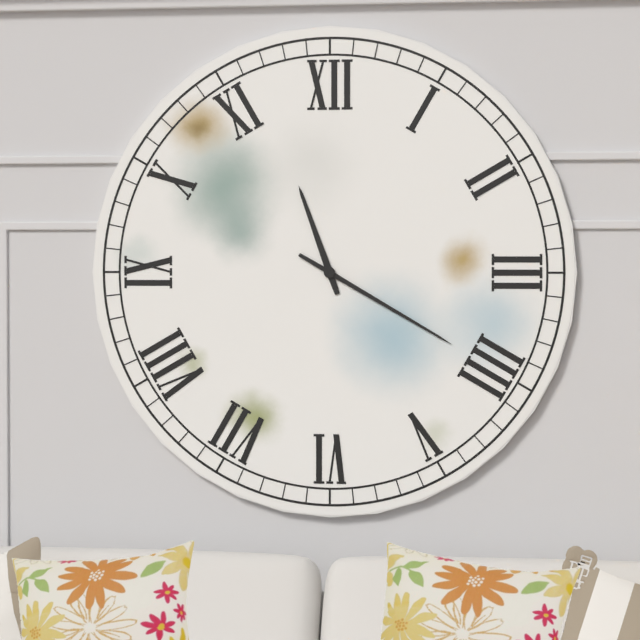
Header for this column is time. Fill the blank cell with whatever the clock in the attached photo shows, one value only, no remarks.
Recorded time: 11:20
